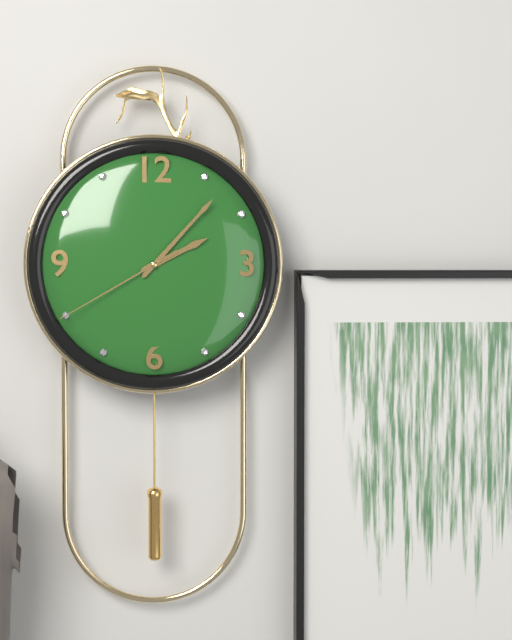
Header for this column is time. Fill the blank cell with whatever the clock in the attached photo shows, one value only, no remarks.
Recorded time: 2:07:40
